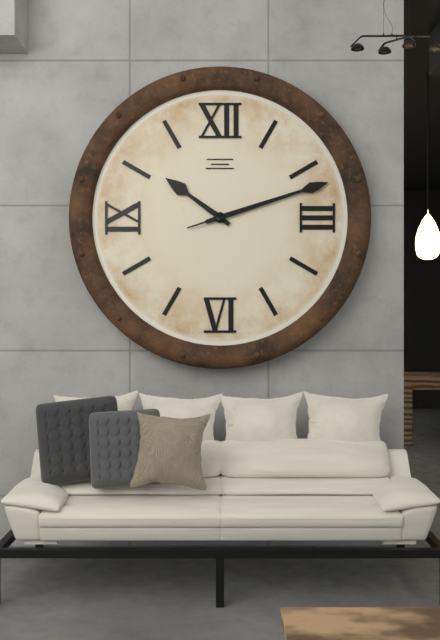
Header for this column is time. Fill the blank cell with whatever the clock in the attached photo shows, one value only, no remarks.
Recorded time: 10:12:12
